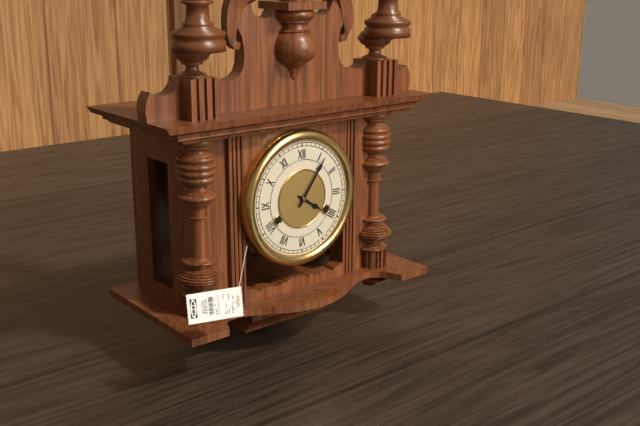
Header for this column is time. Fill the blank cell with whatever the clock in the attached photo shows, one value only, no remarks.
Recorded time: 4:06
